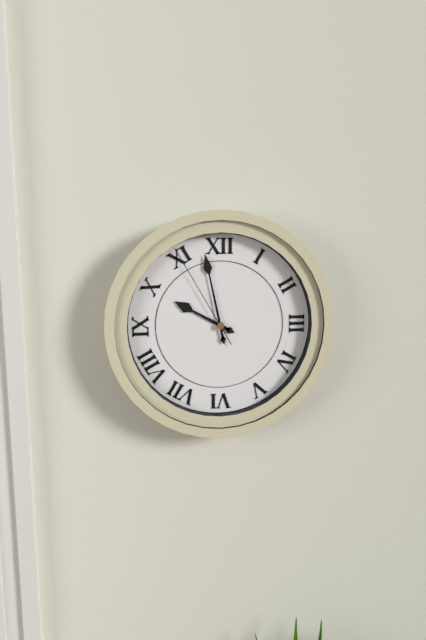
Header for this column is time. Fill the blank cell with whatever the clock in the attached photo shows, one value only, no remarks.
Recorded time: 9:58:55
